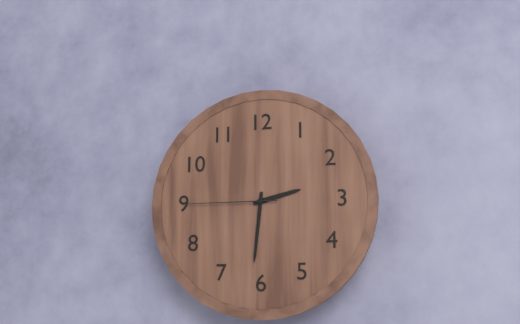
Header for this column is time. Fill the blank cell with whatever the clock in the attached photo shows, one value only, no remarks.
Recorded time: 2:31:45
